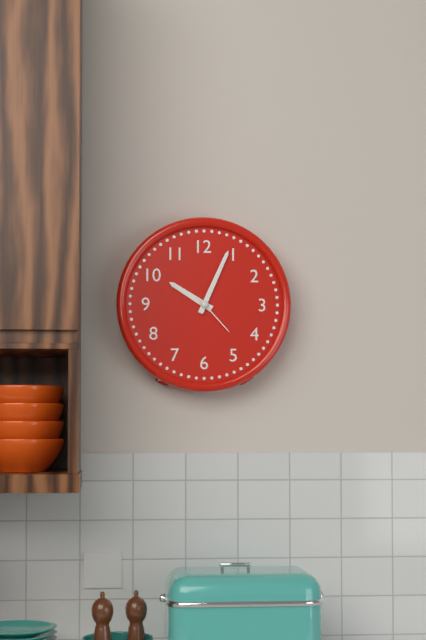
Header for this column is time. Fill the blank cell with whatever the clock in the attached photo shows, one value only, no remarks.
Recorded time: 10:04
